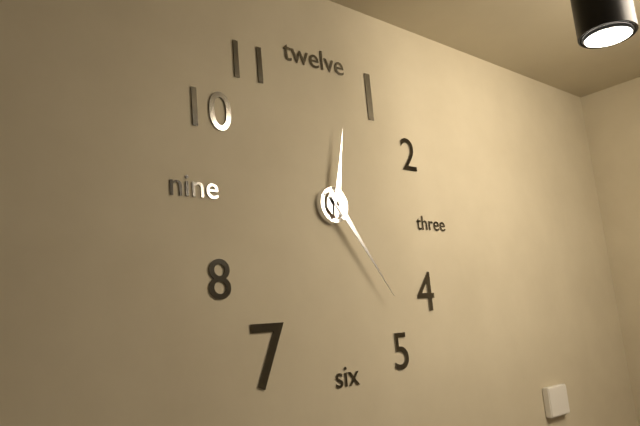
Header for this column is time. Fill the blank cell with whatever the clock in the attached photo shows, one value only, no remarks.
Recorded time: 12:24
